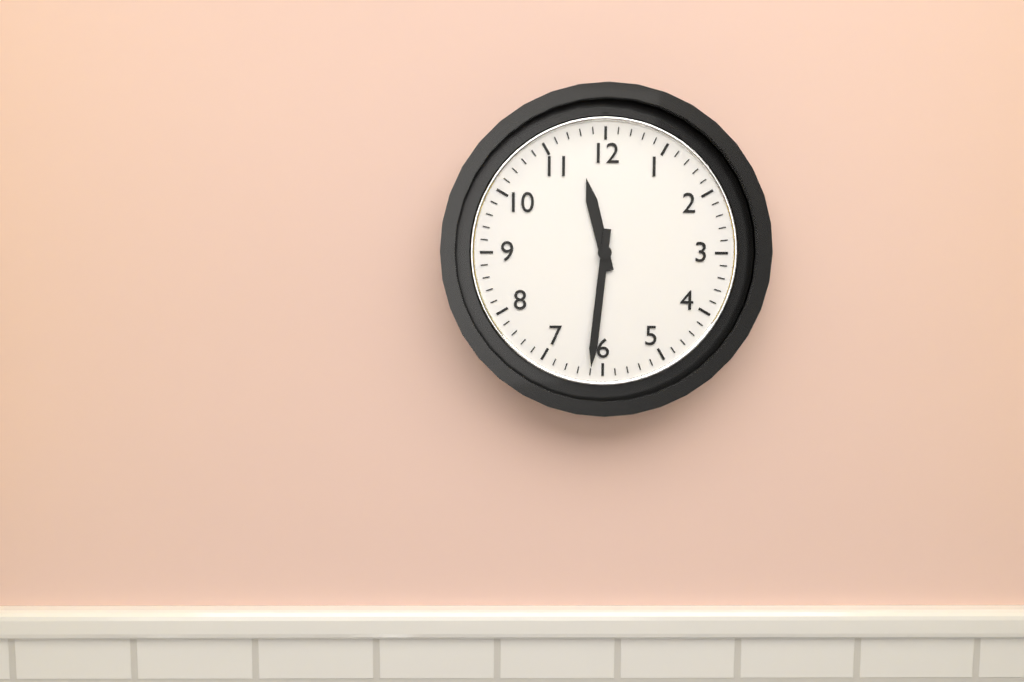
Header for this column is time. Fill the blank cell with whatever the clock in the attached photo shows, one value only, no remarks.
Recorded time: 11:31
